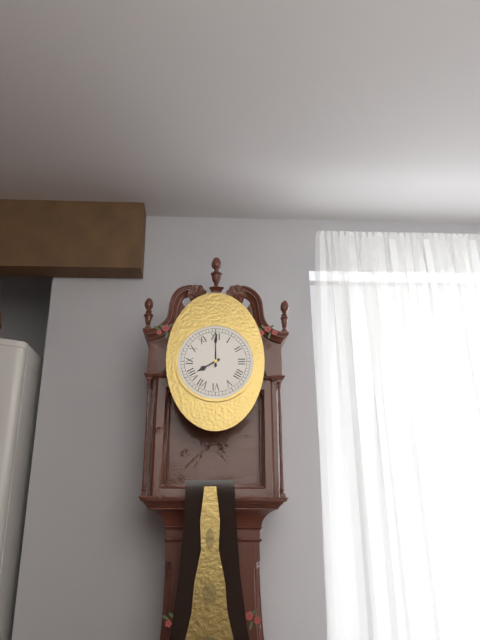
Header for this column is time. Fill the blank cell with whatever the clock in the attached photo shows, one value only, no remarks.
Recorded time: 8:00
